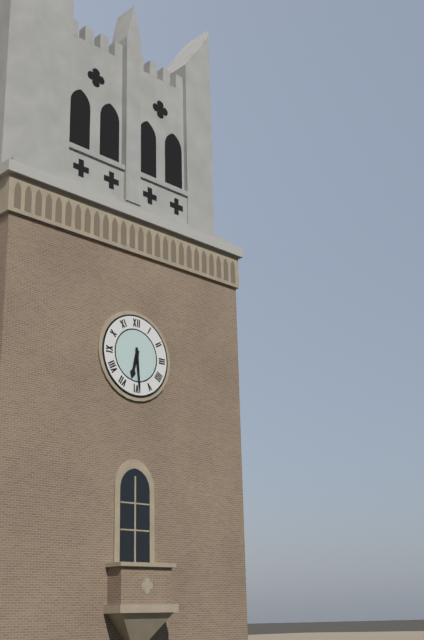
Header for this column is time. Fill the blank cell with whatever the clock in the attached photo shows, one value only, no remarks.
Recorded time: 6:29
